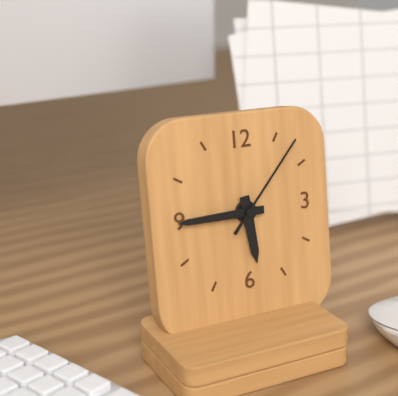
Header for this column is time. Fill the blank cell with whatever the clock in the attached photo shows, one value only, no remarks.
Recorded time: 5:45:07
